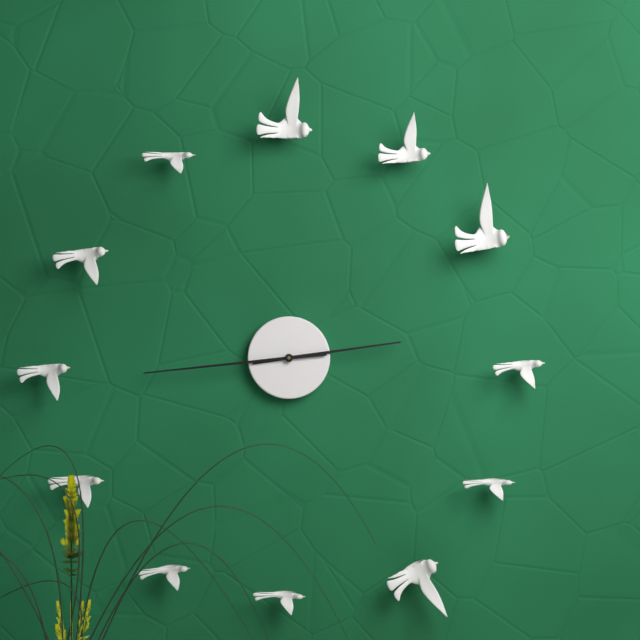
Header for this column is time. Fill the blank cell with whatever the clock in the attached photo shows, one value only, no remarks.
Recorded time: 2:44
